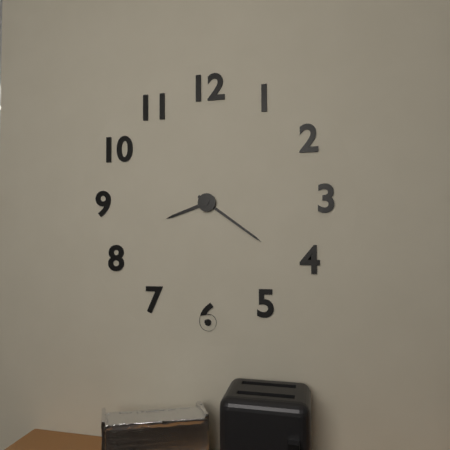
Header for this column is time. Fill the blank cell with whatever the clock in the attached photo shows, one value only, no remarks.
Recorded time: 8:21
